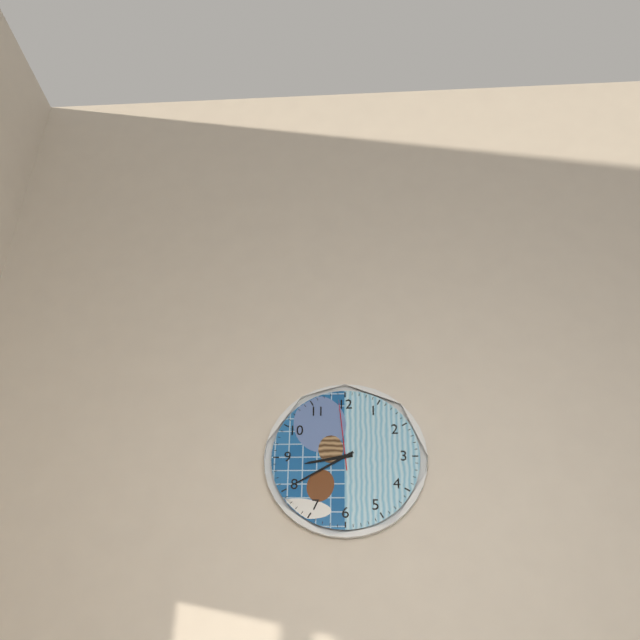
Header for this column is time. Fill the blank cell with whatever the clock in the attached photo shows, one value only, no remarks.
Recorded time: 8:40:59
